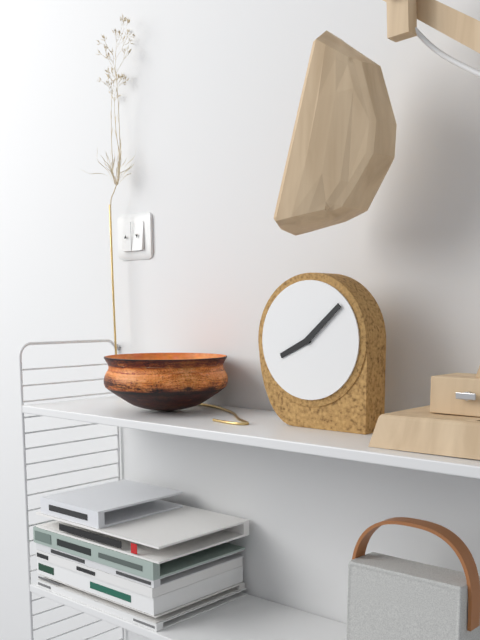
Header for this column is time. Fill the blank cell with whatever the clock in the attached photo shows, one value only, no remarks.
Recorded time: 8:08
